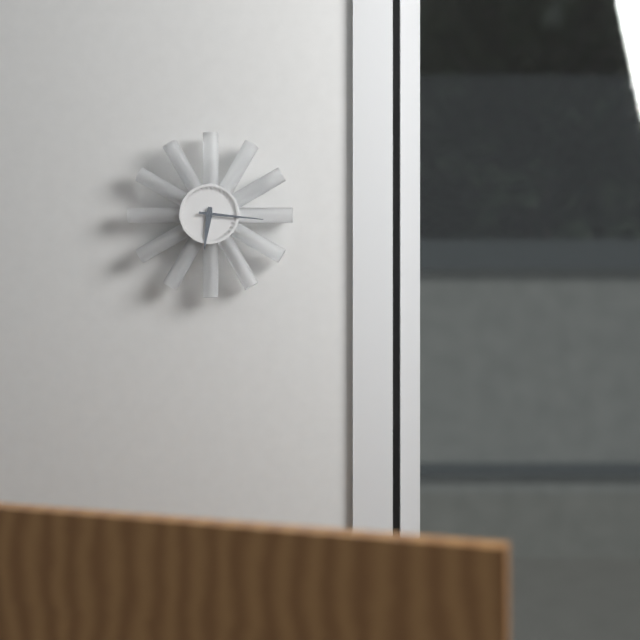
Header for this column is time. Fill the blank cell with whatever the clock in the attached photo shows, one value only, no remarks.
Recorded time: 6:16
